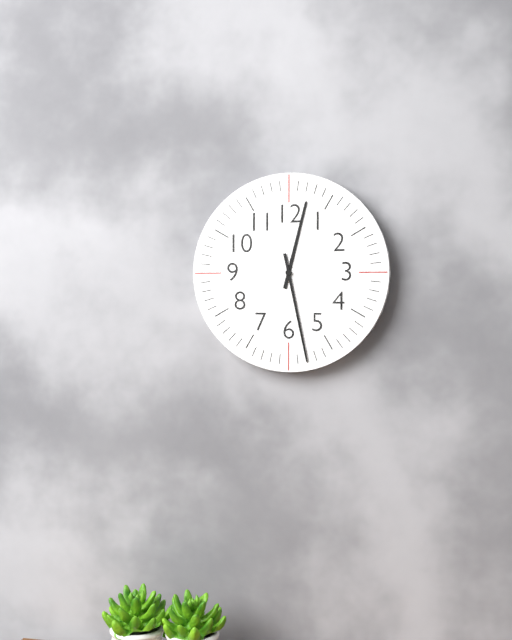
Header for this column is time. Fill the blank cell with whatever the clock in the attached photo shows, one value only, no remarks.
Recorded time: 12:28
